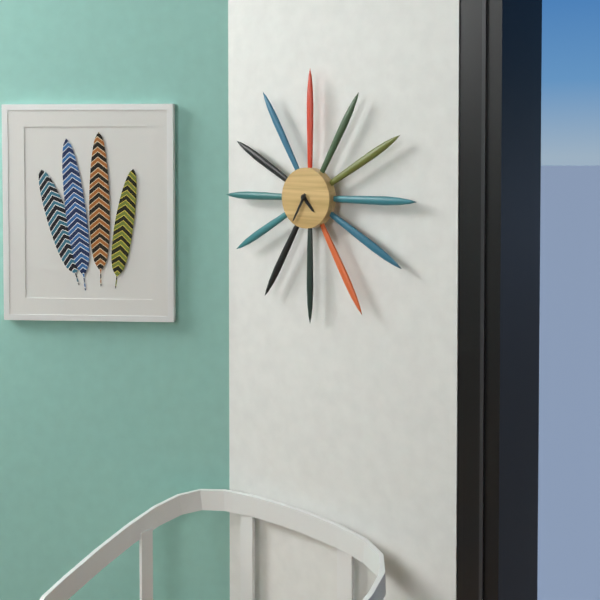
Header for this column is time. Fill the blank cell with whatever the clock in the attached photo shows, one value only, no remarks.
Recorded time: 4:35
